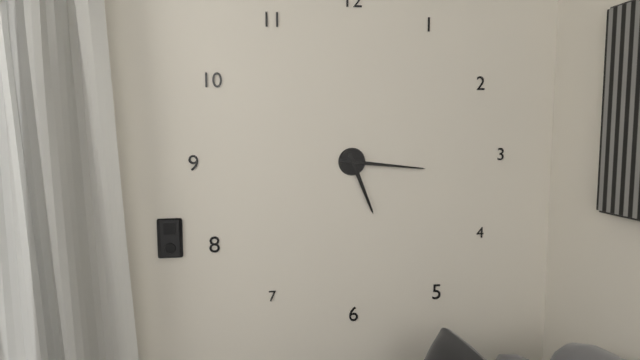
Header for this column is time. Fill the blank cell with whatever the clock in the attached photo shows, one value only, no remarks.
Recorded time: 5:16
